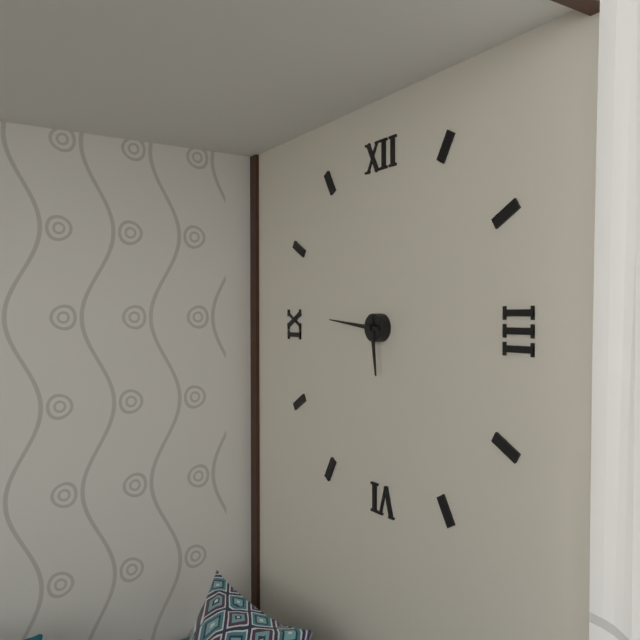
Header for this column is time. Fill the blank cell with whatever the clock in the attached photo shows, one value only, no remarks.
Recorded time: 5:46
